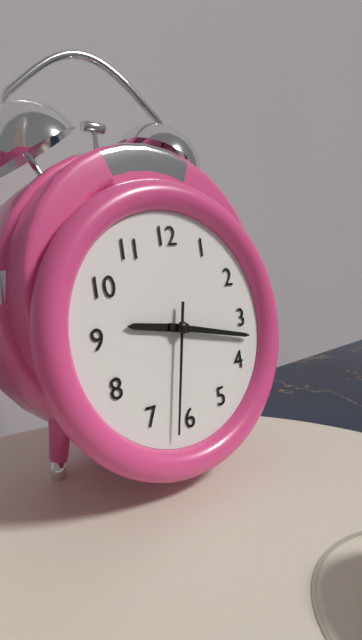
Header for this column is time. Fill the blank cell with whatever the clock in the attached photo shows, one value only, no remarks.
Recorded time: 9:17:32
